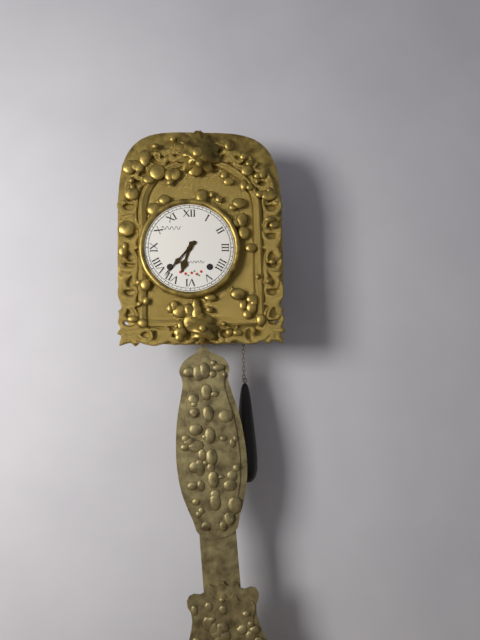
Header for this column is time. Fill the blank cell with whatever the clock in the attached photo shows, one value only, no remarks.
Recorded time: 6:37
